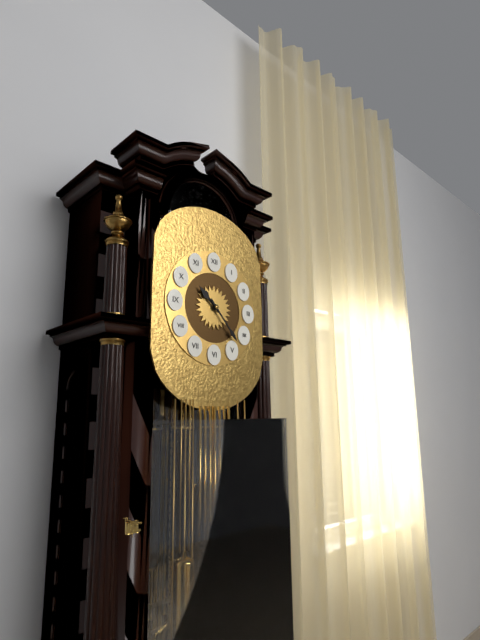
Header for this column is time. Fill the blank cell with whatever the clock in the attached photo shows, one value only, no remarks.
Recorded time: 10:23
